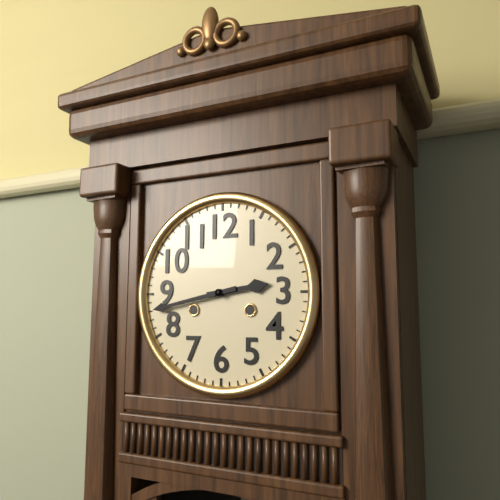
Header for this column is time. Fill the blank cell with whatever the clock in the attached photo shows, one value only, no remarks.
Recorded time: 2:43
